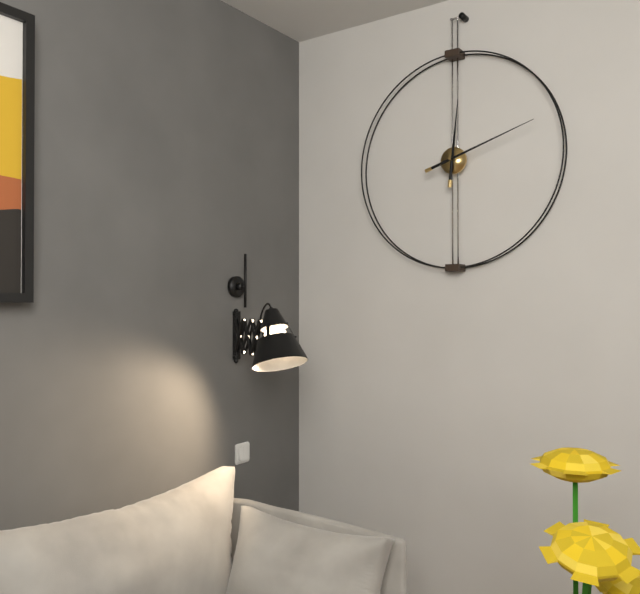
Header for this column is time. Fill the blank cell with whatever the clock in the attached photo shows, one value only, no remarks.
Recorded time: 12:12
